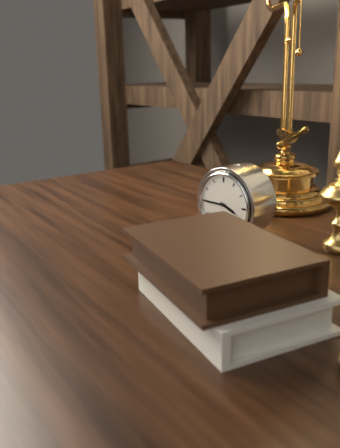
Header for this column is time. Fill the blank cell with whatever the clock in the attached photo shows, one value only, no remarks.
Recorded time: 3:45
